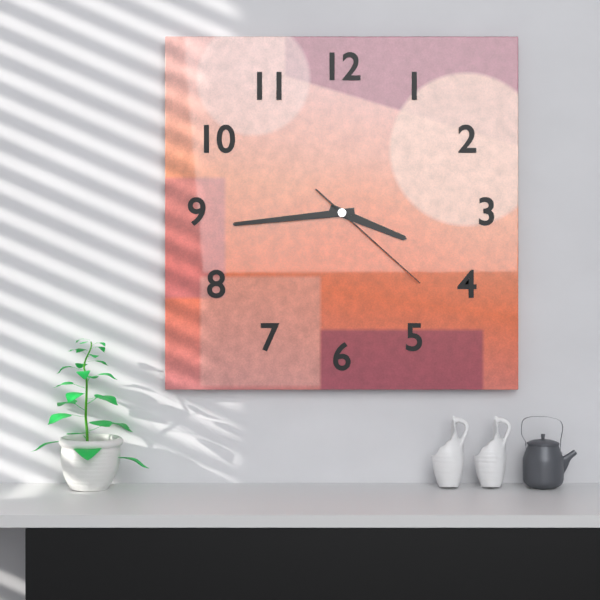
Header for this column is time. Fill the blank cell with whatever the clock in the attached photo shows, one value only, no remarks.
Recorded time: 3:44:22
